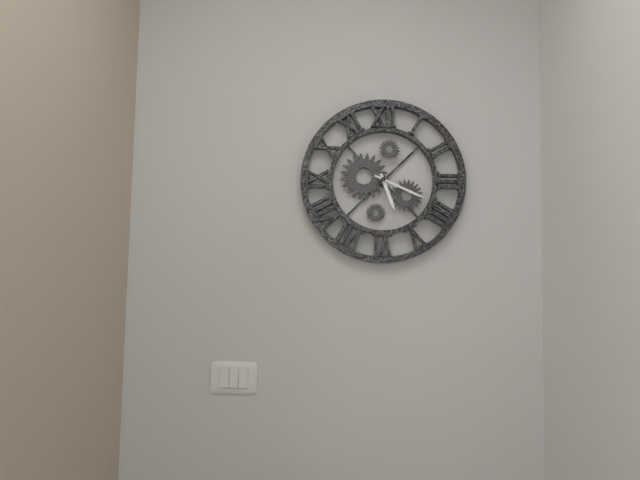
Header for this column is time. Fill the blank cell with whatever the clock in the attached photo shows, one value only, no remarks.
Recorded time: 5:19
